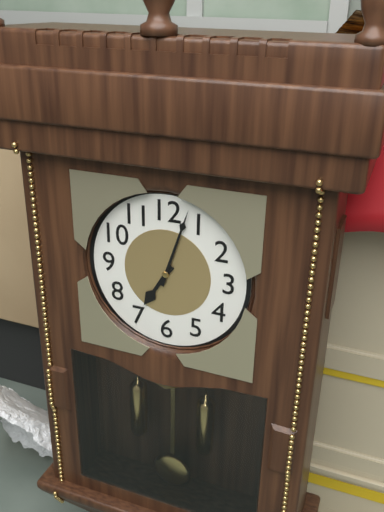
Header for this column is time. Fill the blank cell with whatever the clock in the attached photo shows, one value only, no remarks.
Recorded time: 7:03
